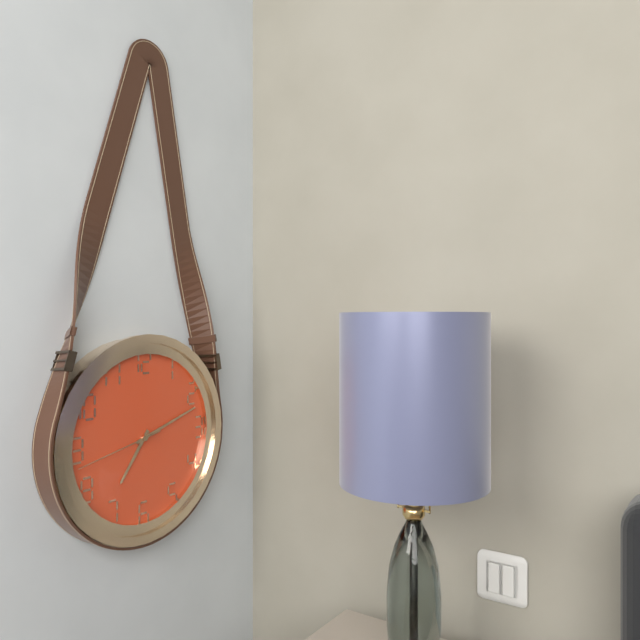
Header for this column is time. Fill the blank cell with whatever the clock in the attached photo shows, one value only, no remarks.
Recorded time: 7:12:43
